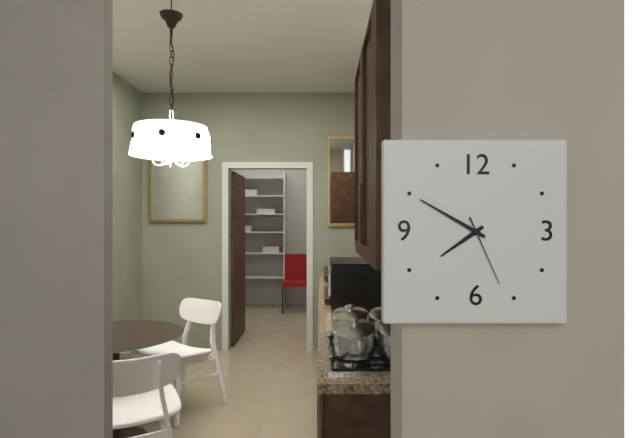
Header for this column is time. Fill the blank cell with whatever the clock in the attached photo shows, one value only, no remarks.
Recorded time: 7:50:26
